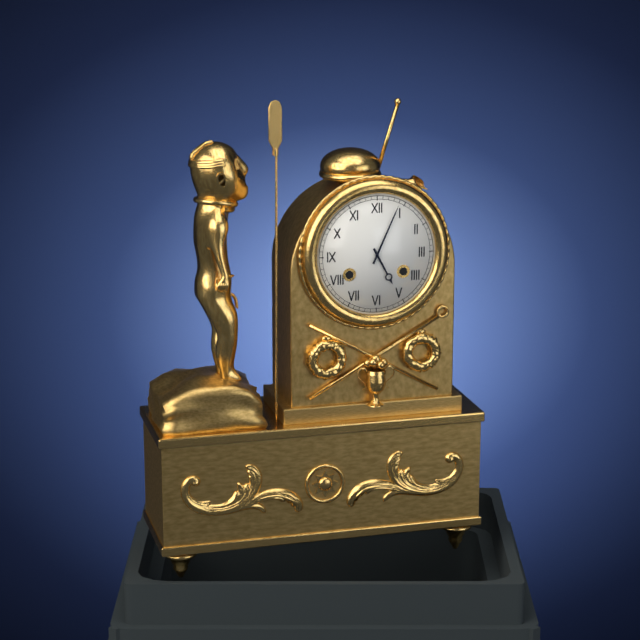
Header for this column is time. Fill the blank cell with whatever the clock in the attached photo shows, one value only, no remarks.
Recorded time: 5:04
